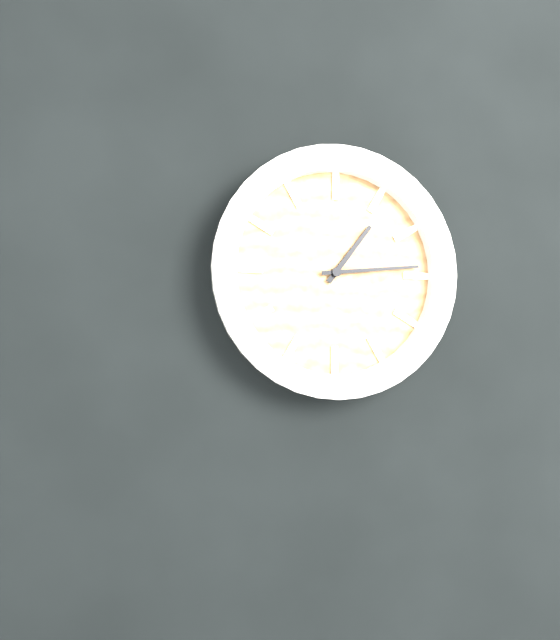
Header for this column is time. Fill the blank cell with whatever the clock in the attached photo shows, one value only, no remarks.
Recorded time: 1:14
